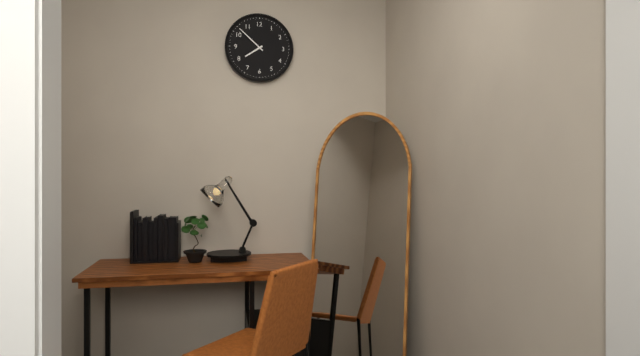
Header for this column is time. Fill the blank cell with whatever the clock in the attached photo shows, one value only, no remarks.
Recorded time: 7:52
